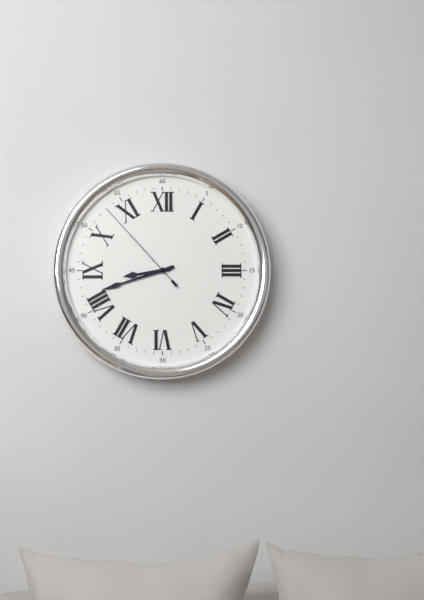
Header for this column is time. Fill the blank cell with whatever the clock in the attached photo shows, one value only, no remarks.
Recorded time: 8:42:53
